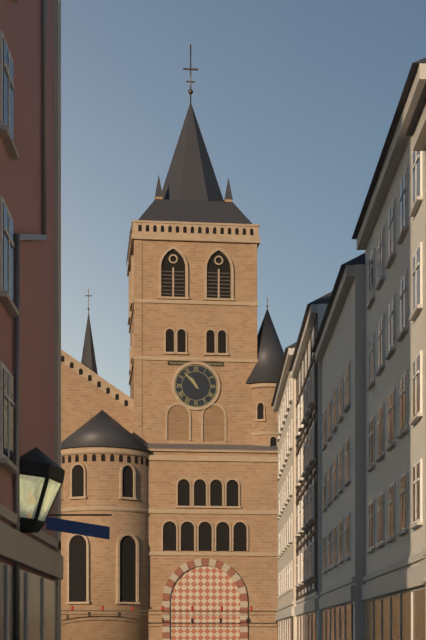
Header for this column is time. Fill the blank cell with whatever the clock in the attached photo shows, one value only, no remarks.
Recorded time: 10:53
